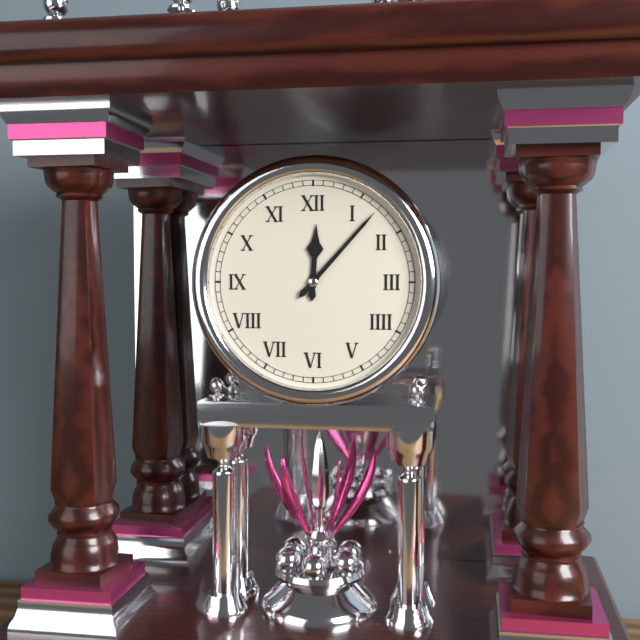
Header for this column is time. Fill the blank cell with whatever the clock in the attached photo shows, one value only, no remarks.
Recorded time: 12:07
